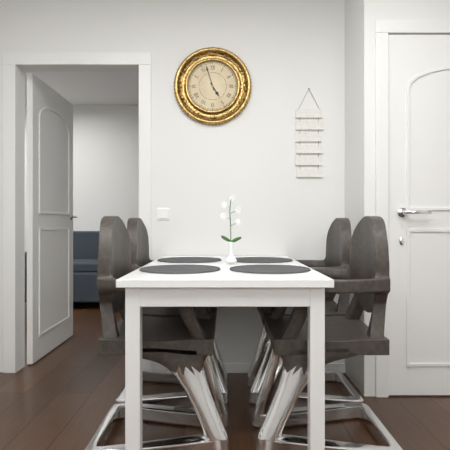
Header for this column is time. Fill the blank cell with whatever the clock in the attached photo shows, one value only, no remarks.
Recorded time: 4:57
